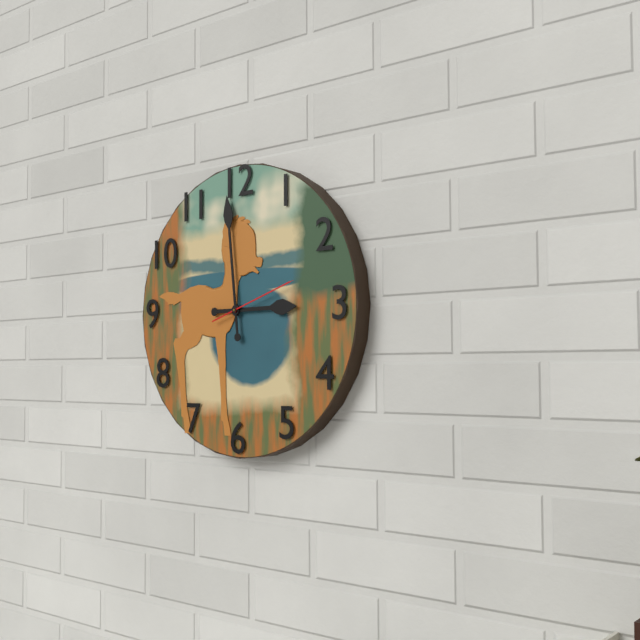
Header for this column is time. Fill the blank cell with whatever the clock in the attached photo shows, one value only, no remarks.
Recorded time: 2:59:12
